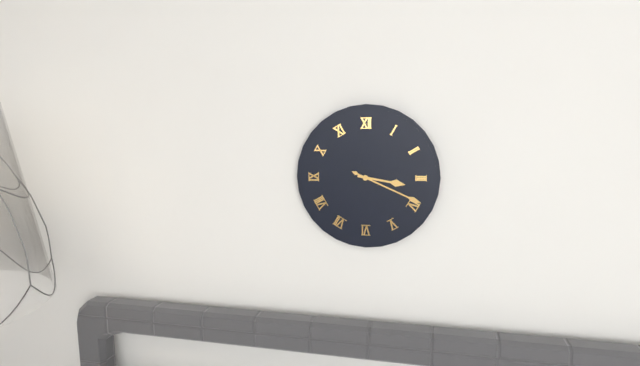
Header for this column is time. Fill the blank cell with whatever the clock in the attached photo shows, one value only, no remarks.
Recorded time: 3:19
